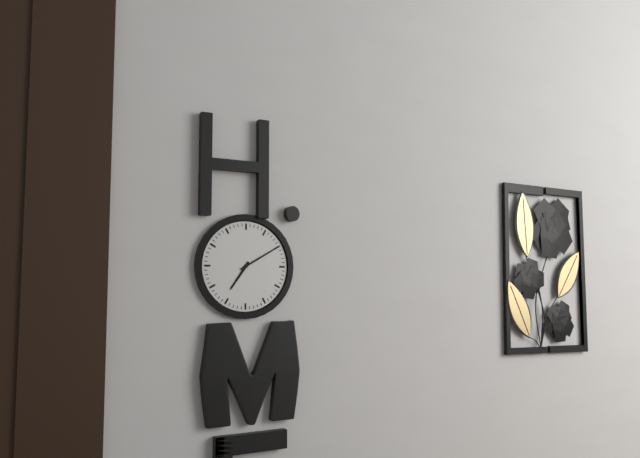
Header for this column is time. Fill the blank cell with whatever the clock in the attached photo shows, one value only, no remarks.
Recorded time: 7:10
